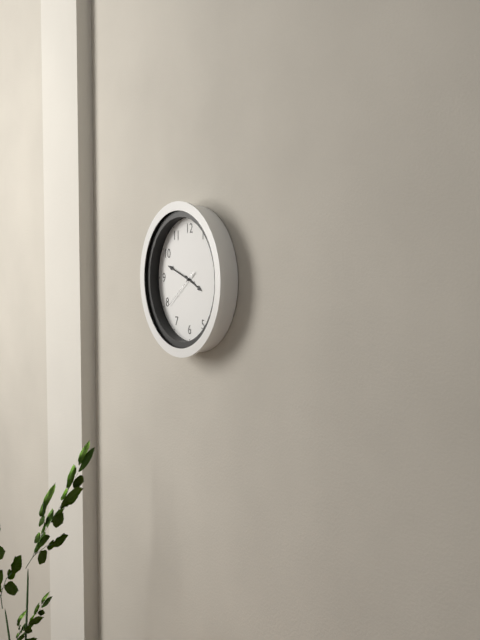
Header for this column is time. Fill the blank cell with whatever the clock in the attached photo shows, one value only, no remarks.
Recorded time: 3:48
